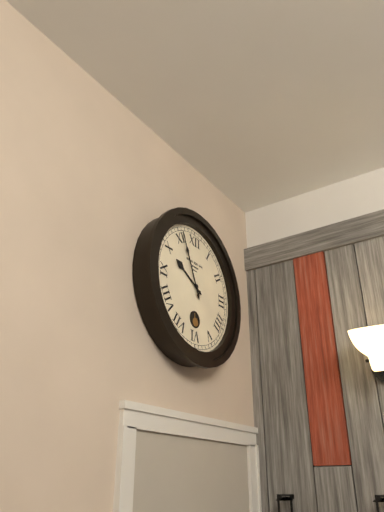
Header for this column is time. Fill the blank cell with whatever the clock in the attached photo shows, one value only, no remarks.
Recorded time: 9:56
